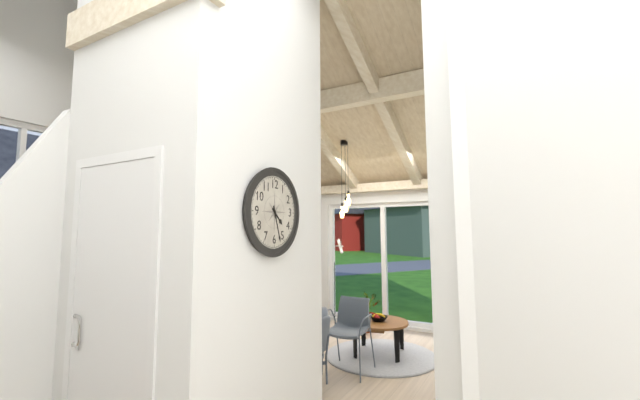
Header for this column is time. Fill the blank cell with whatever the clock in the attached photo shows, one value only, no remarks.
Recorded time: 4:27
